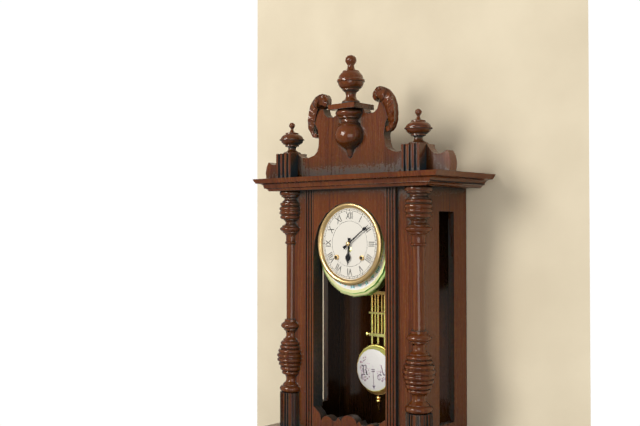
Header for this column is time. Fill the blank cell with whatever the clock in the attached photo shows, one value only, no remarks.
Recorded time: 6:09
